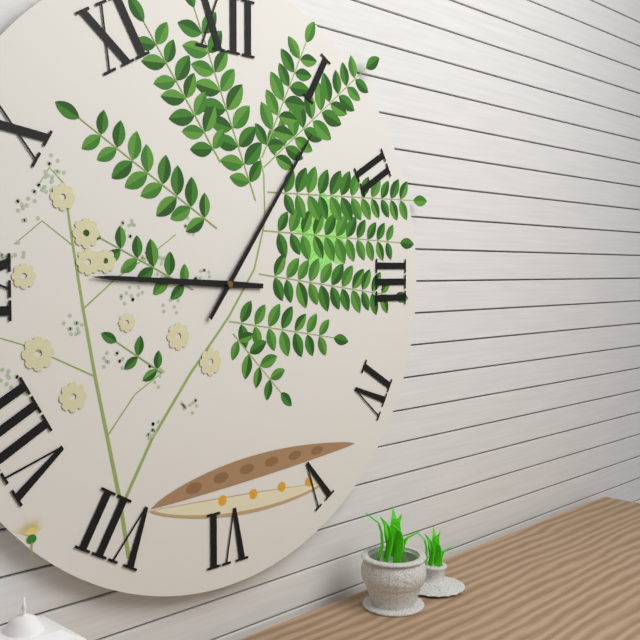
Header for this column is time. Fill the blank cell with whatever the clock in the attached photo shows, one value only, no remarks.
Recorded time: 9:06
